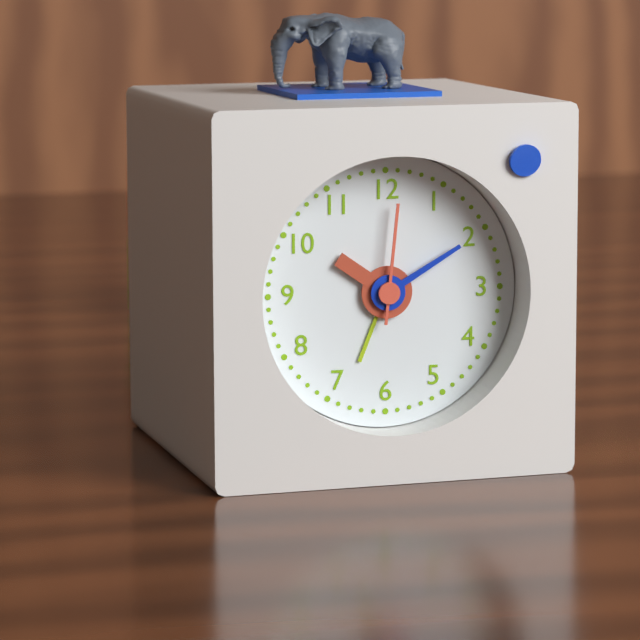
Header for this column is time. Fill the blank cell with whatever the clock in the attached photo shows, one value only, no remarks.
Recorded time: 10:10:01
